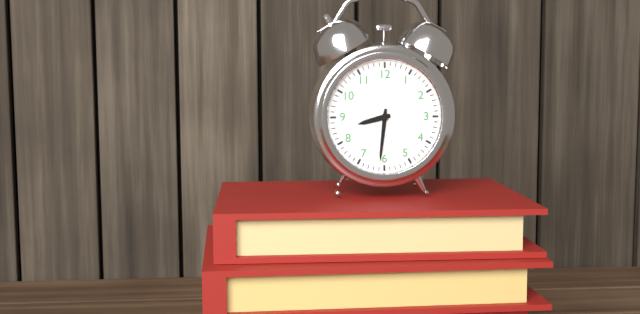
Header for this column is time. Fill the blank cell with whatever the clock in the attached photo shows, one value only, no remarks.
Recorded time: 8:31
